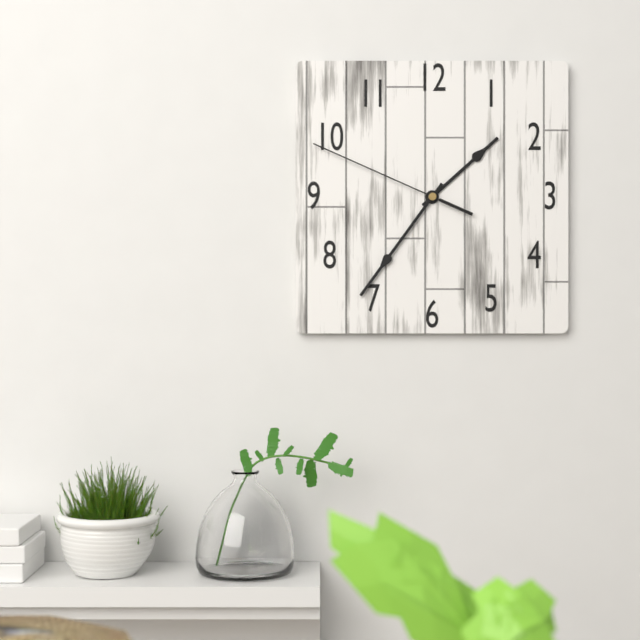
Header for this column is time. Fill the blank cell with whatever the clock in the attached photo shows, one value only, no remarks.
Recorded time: 1:36:49
